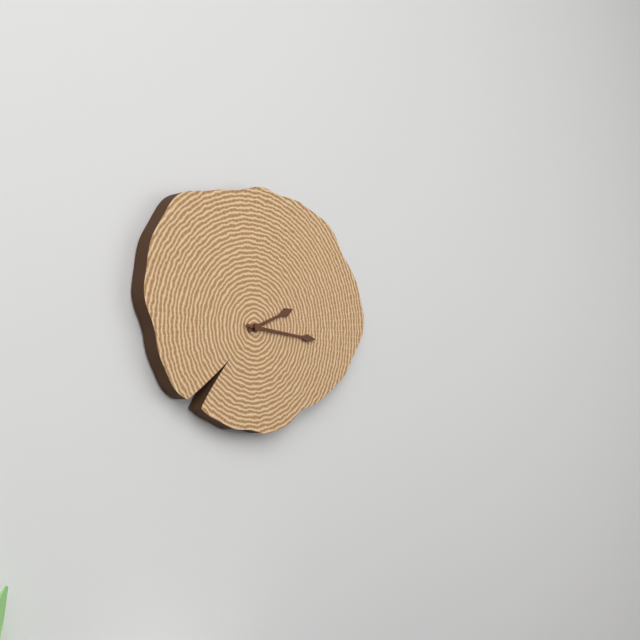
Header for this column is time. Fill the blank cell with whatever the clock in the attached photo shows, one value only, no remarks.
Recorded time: 2:16
